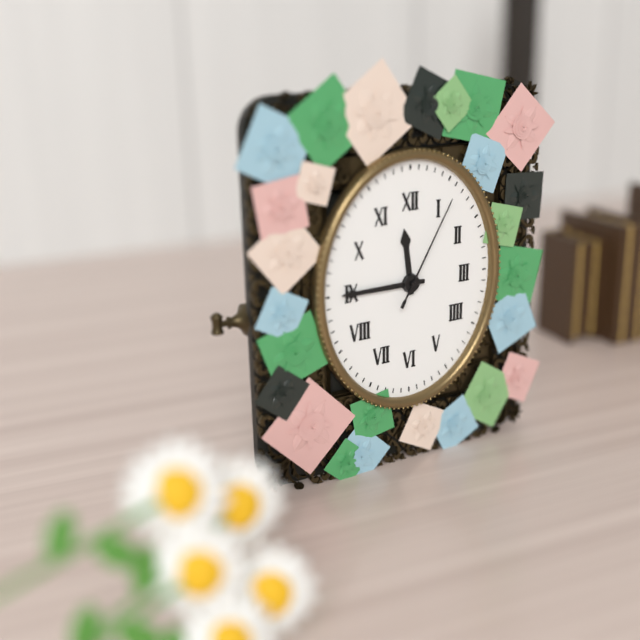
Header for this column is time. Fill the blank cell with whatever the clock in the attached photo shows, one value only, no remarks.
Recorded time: 11:45:05
